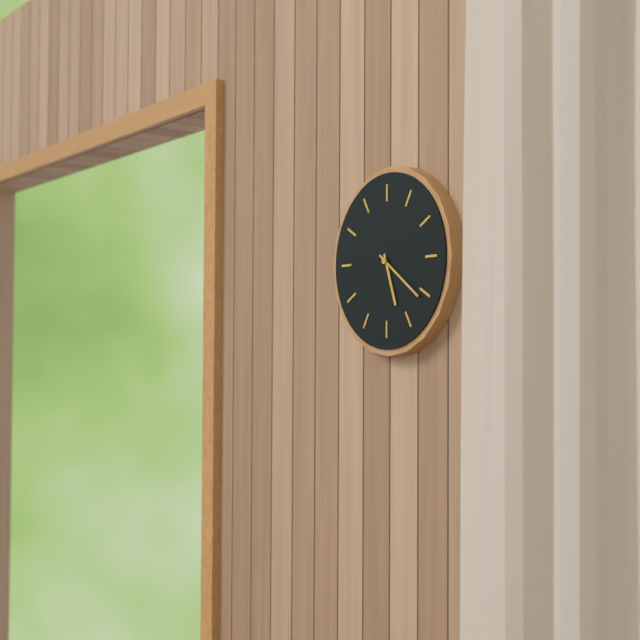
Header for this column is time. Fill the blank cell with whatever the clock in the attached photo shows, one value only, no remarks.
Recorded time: 5:21
